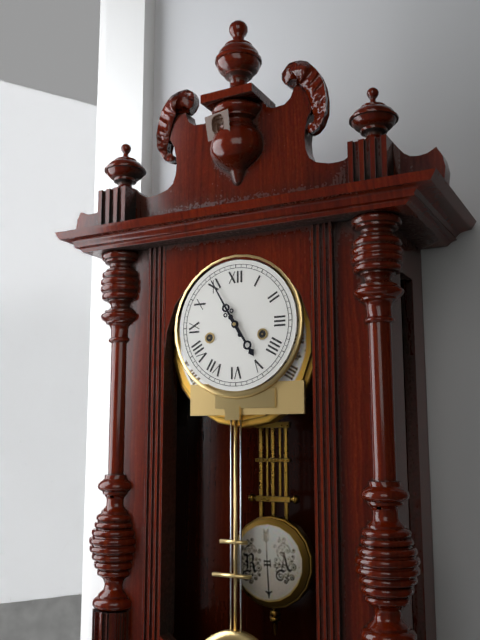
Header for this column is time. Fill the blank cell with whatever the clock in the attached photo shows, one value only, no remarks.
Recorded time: 4:55
